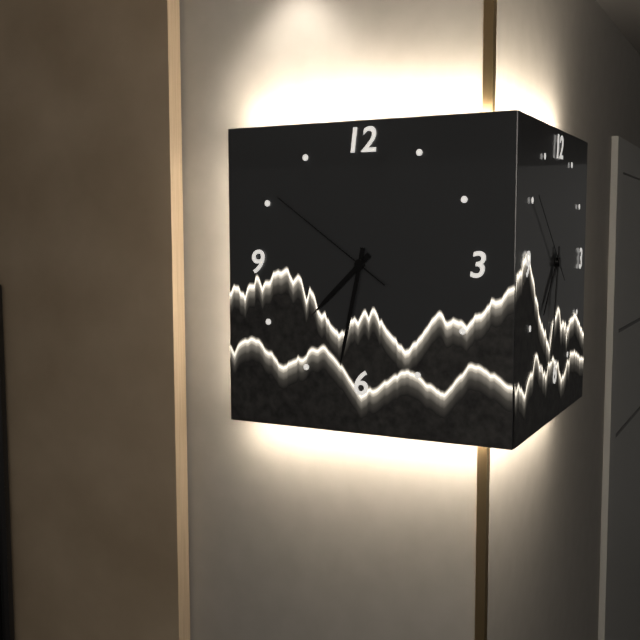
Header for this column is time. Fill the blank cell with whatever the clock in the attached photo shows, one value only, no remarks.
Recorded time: 7:32:51
